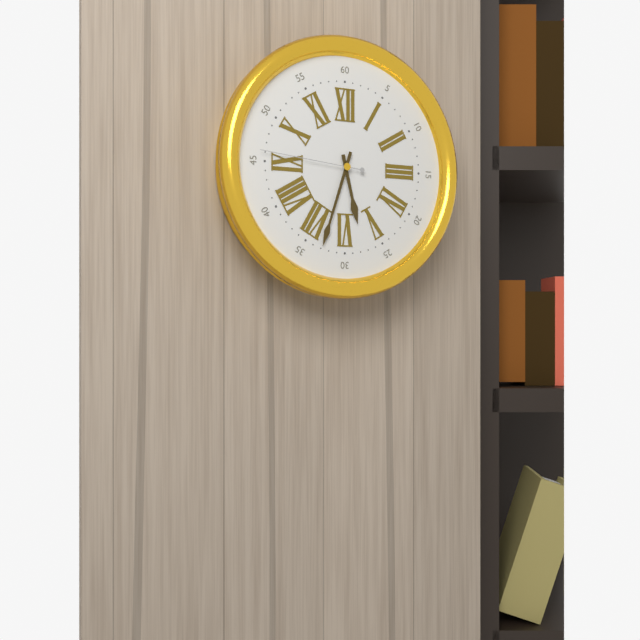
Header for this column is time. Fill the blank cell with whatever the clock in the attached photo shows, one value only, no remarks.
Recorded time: 5:33:46
